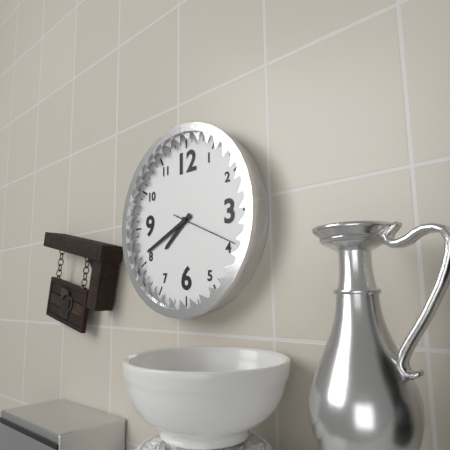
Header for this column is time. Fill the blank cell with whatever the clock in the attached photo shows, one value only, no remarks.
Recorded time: 7:41:19
